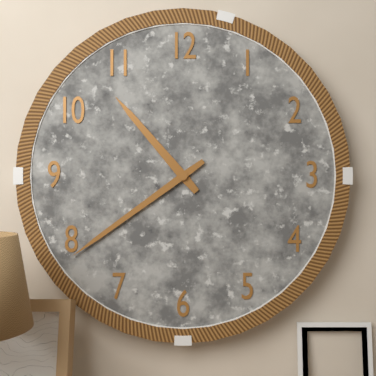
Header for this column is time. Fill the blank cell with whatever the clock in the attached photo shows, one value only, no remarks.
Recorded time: 10:39
